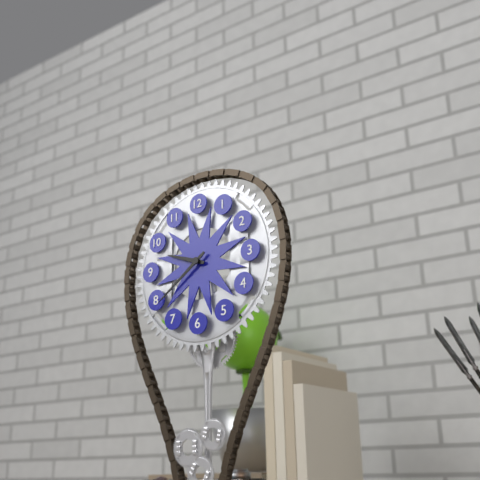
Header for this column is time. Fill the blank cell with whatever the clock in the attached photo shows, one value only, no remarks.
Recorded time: 9:39
